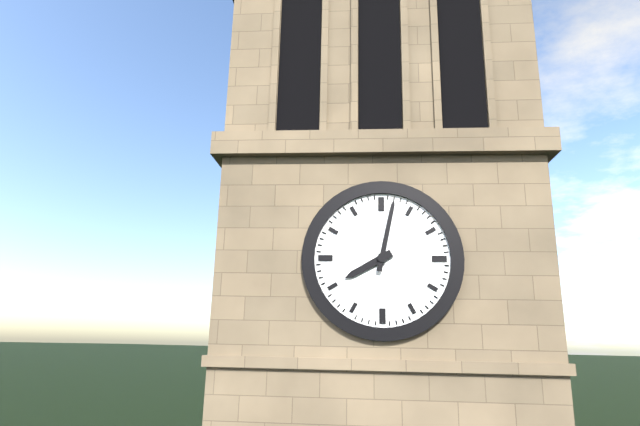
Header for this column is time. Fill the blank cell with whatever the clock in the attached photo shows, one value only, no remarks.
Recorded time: 8:02
